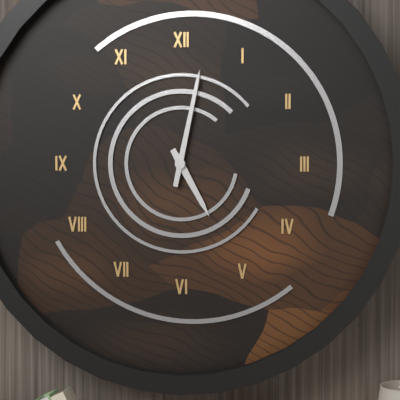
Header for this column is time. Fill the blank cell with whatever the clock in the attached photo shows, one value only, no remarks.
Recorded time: 5:02
